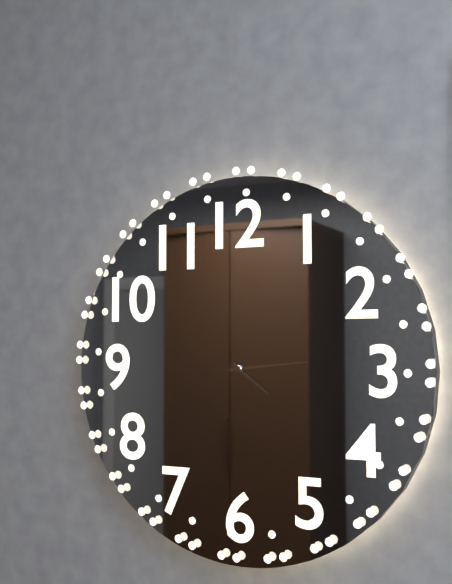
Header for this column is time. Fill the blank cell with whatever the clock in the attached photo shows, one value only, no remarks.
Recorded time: 4:14
